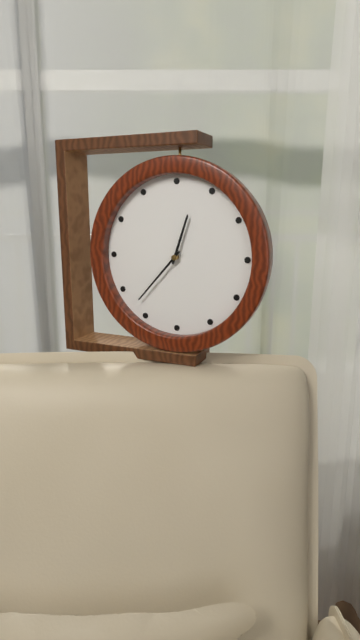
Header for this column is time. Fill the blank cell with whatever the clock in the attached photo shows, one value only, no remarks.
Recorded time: 12:37
